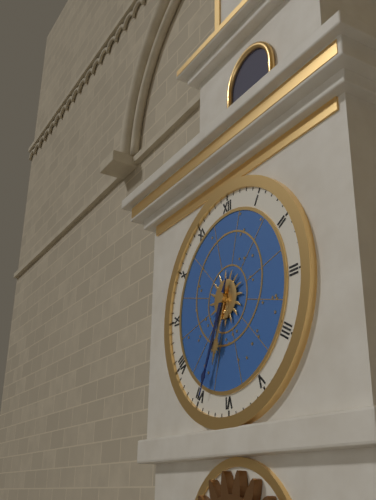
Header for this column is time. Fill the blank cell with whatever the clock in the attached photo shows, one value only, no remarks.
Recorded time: 6:34
